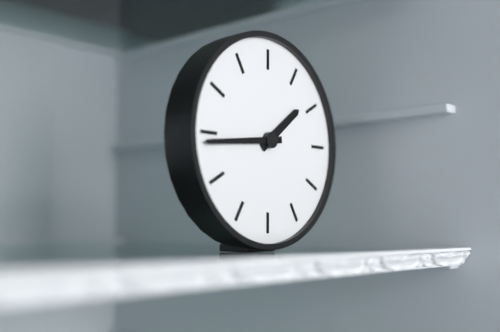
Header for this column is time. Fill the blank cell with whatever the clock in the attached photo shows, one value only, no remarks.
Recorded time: 1:44
